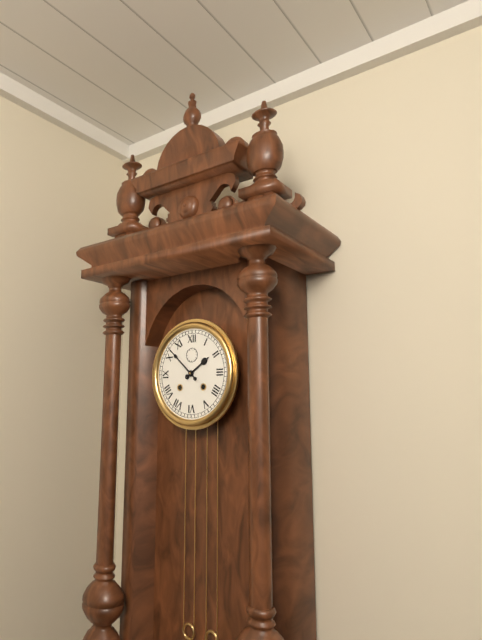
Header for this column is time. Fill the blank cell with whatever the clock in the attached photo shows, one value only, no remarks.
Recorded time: 1:52
